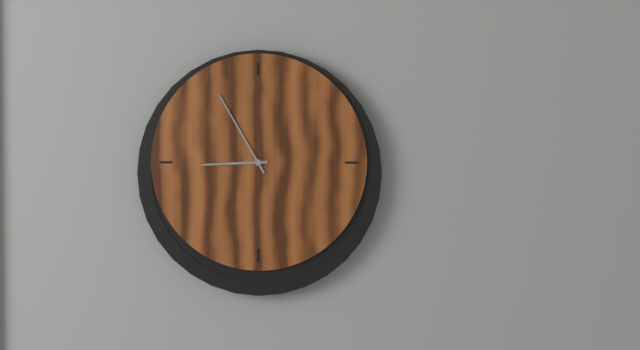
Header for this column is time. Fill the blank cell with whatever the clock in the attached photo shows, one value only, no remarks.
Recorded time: 8:55
